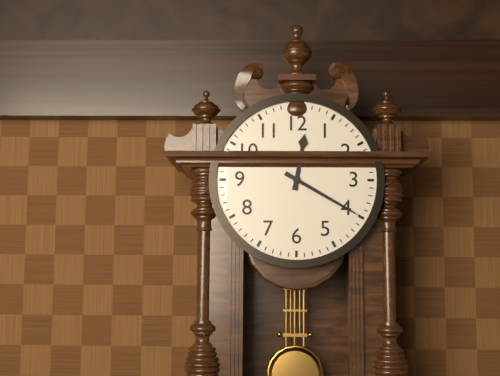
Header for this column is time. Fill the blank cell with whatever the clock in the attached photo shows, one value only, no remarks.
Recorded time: 12:20
